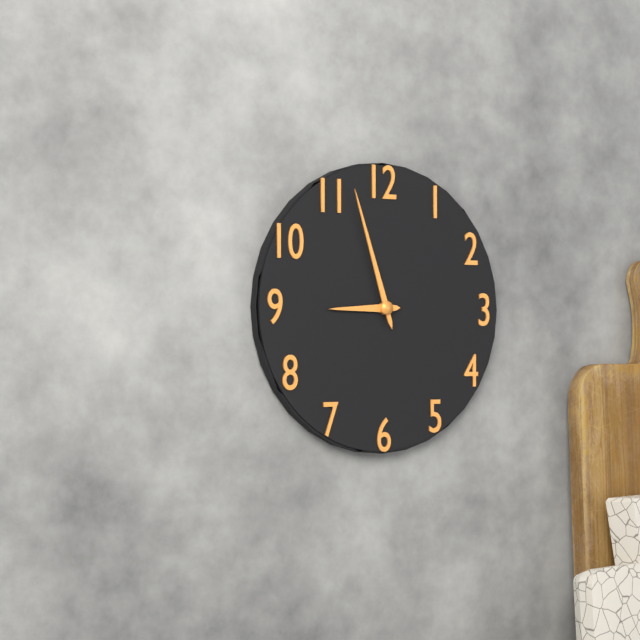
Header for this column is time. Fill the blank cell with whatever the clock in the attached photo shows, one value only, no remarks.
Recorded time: 8:57
